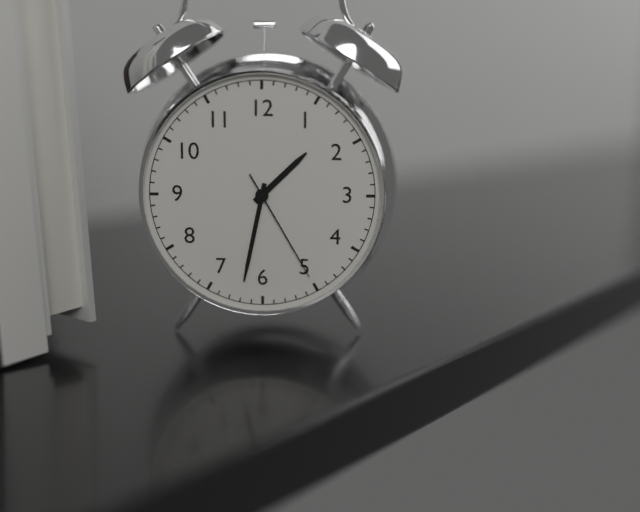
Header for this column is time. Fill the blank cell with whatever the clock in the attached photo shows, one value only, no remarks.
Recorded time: 1:32:25
